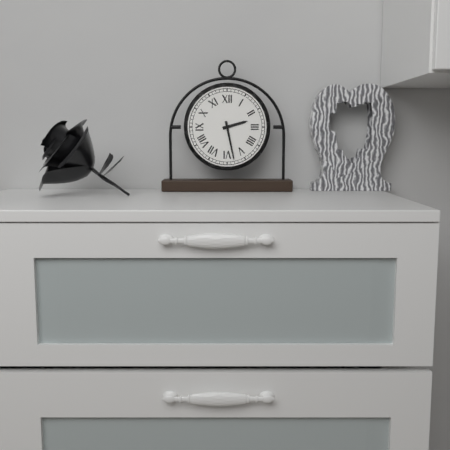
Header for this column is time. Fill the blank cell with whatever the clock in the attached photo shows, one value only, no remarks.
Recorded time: 2:28
